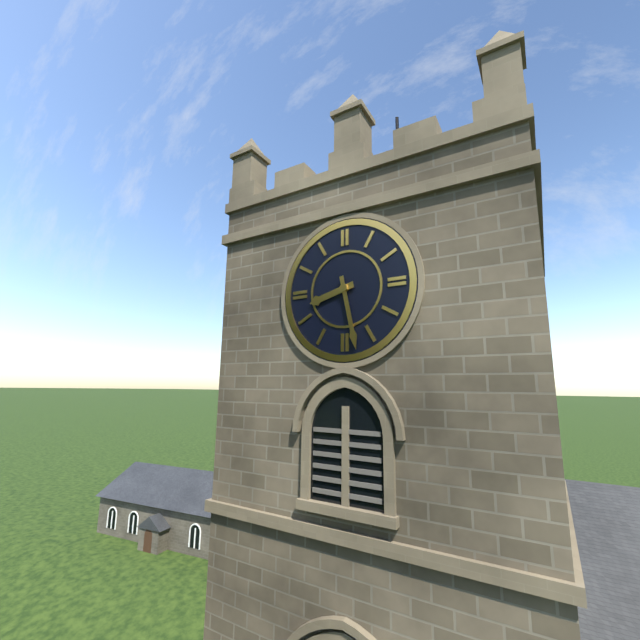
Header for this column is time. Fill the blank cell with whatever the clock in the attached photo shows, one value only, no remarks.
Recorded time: 8:28
